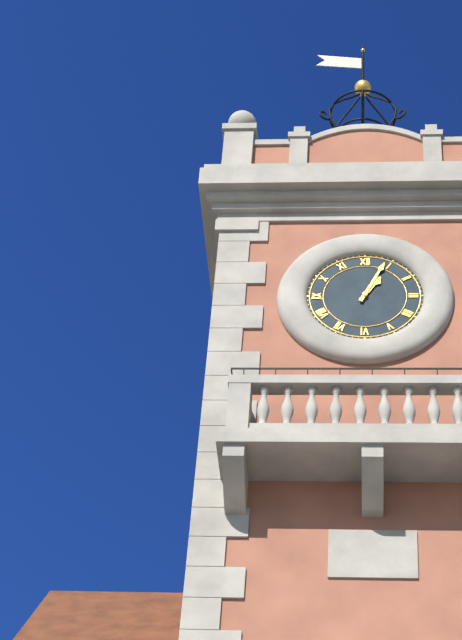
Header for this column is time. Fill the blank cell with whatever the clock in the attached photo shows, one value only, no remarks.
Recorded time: 1:04
